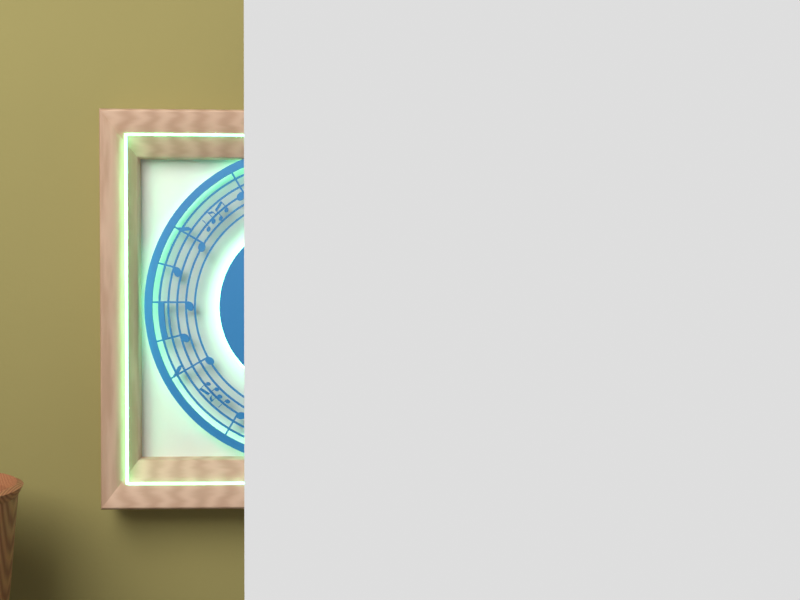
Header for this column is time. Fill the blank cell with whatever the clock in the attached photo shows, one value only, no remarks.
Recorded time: 8:23
